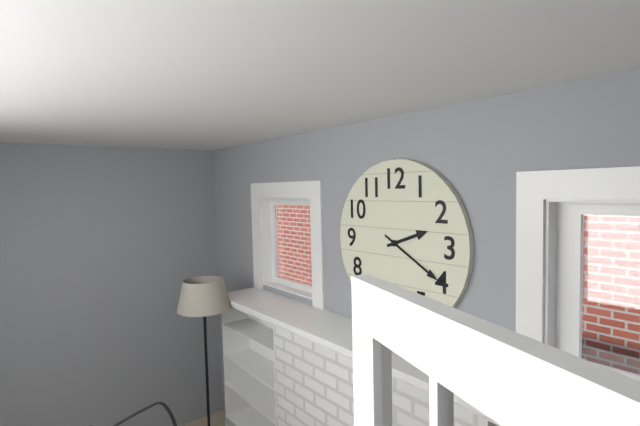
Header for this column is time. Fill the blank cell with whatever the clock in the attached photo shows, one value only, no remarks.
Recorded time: 2:20
